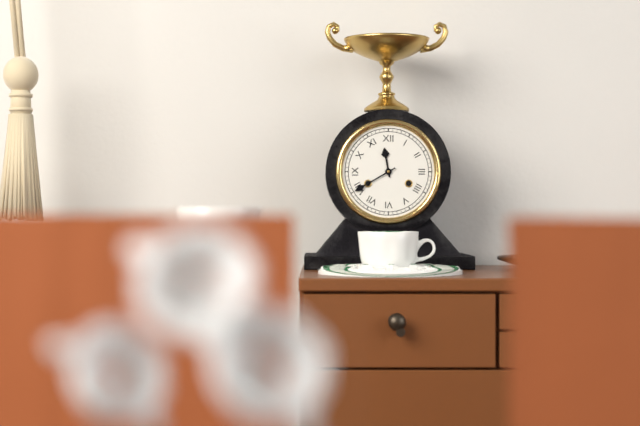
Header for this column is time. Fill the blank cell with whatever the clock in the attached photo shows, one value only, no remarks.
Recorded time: 11:40
